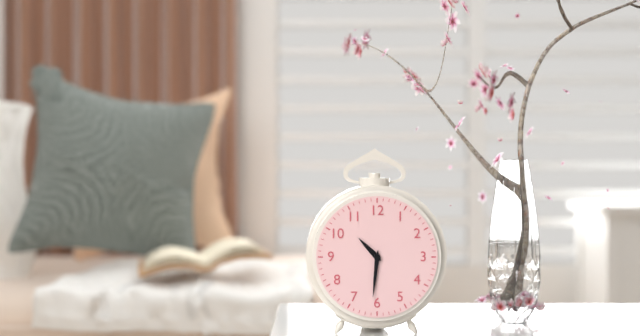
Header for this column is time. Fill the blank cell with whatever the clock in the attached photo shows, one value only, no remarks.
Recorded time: 10:31
